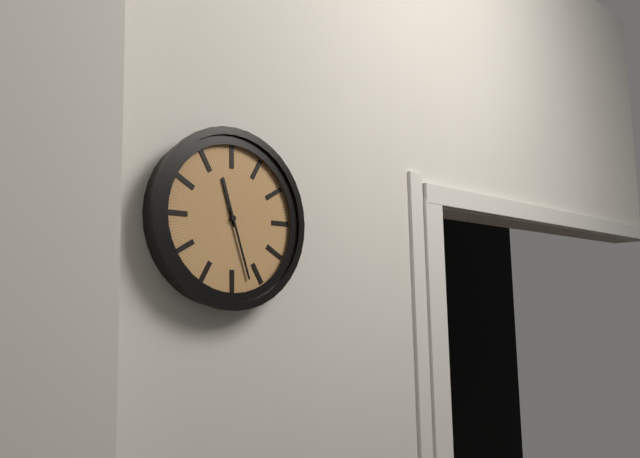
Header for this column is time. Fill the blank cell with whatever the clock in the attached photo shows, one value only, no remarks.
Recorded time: 11:27
